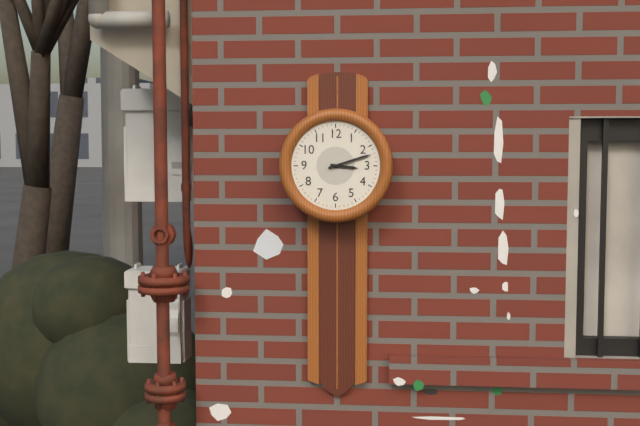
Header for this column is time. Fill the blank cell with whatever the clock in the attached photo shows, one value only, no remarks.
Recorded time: 3:12
